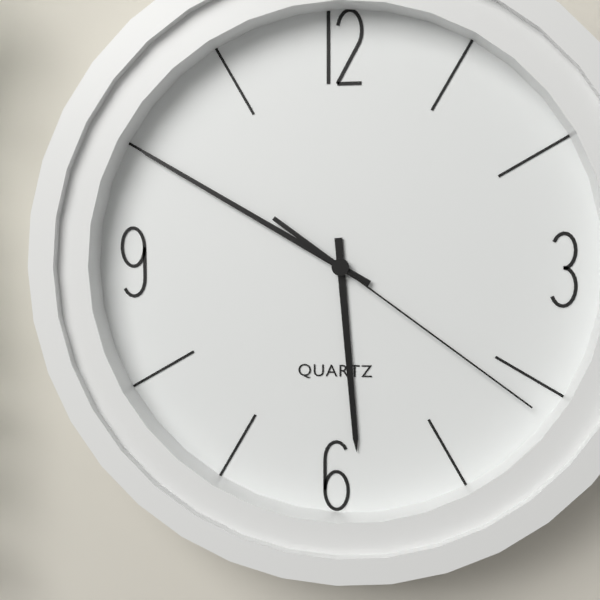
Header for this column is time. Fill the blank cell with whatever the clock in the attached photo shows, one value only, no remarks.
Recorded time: 5:50:21
